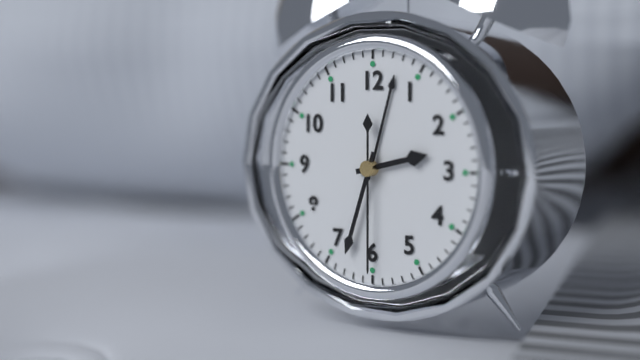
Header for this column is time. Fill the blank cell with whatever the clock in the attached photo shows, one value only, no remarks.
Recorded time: 2:33:30
